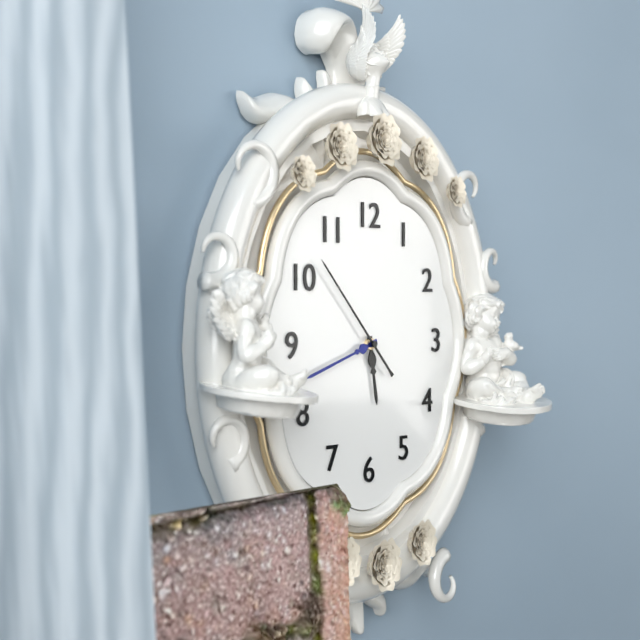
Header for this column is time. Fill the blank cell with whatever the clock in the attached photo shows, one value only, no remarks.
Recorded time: 5:42:53
